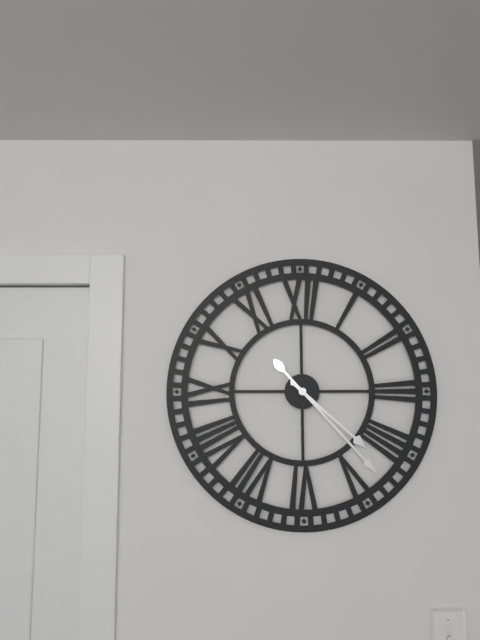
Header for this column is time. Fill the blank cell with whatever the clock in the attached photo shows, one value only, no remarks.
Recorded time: 4:23
